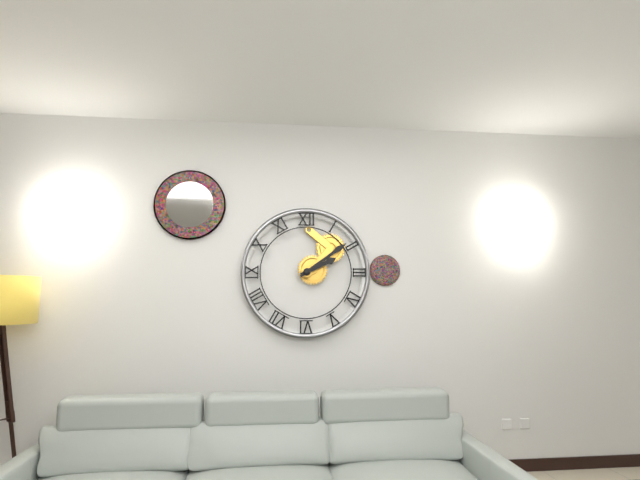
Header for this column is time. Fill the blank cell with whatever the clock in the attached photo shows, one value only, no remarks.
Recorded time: 2:09
